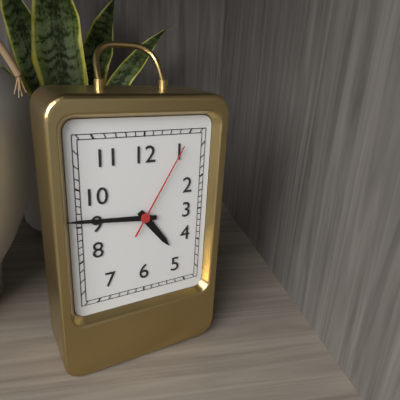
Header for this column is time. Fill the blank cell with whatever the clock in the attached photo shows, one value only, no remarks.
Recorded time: 4:46:05
